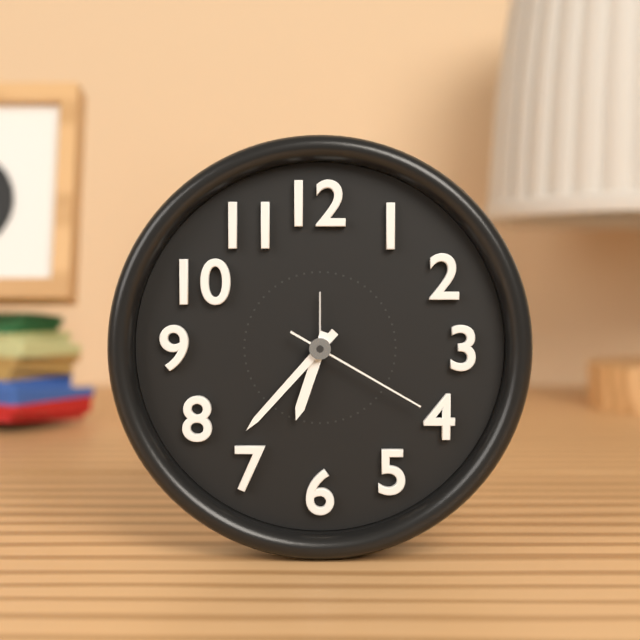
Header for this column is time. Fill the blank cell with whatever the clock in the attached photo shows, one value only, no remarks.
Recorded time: 6:37:20
